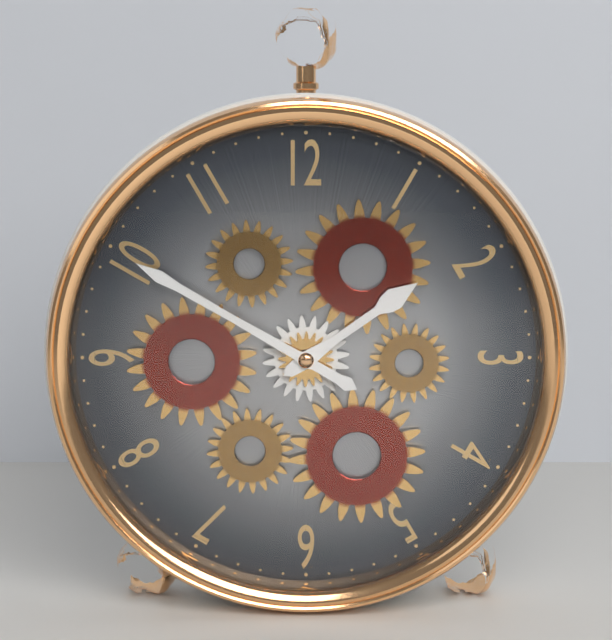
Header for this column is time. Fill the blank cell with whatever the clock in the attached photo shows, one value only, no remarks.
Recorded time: 1:50
